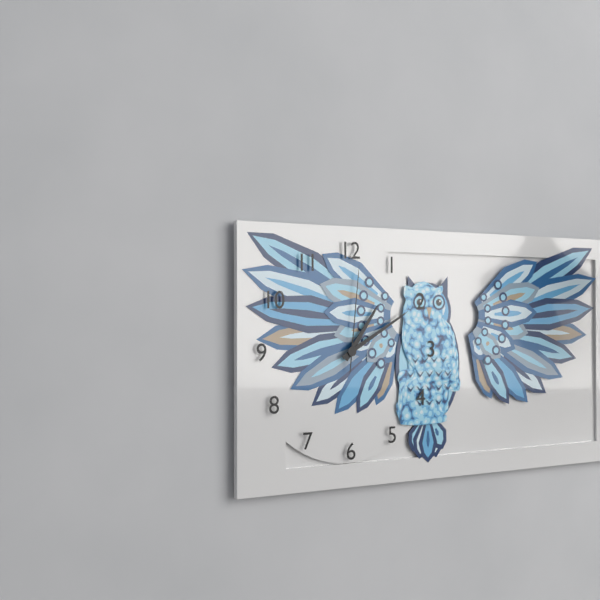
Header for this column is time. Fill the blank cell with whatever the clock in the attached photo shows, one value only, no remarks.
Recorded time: 1:10:01
